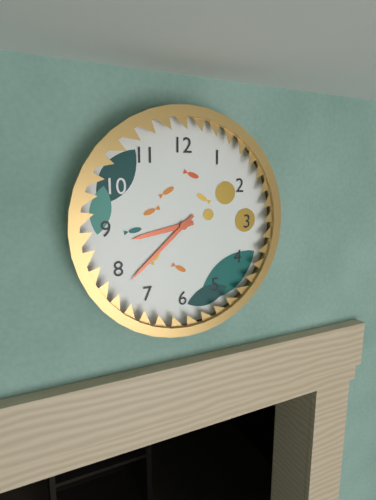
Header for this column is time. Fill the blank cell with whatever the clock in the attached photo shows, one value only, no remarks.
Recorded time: 8:38
